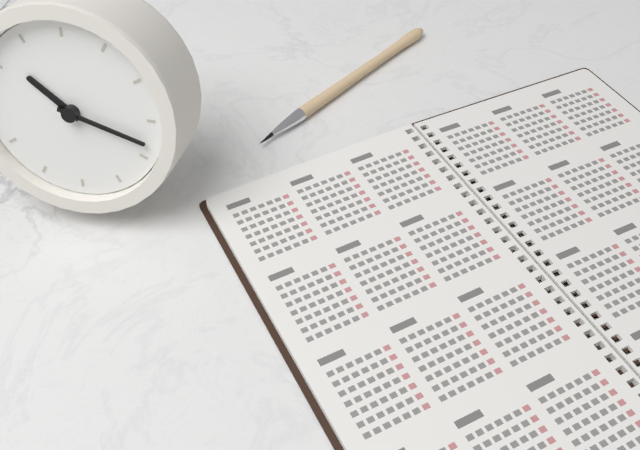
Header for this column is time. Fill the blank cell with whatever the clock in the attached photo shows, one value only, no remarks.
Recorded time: 10:18
